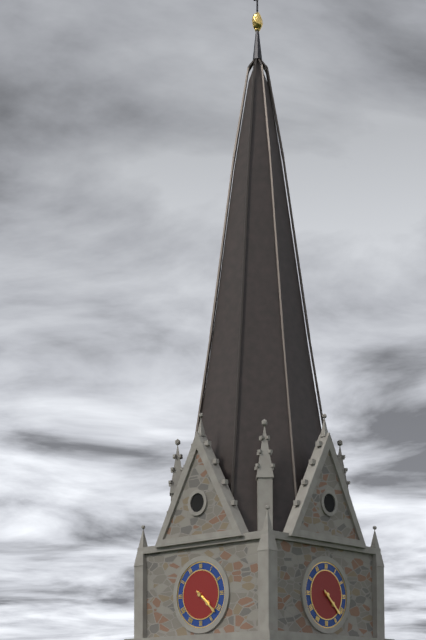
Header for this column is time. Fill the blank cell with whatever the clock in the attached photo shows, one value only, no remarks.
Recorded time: 4:22
